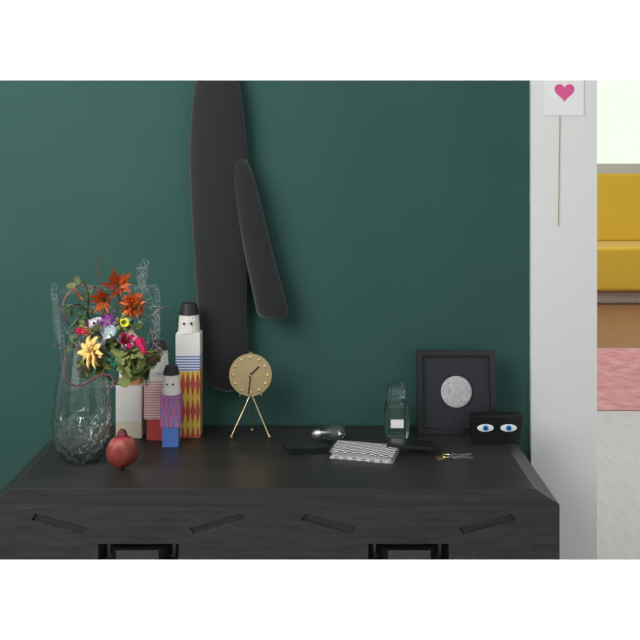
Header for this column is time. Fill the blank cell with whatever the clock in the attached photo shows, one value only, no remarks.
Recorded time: 1:31
